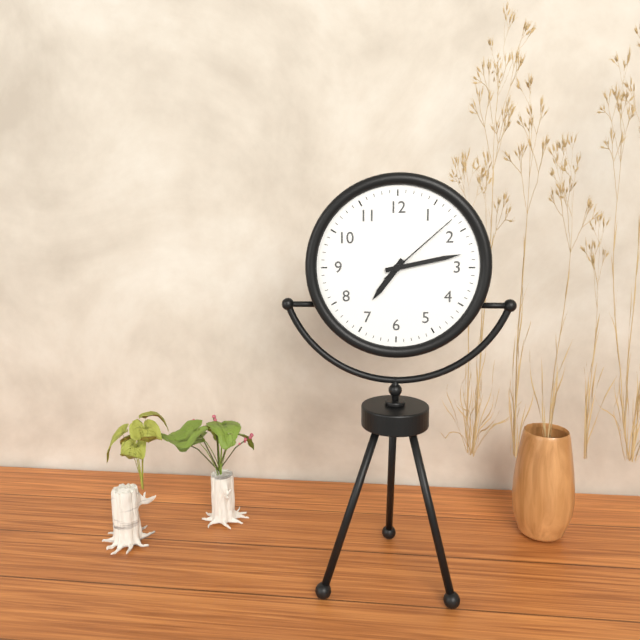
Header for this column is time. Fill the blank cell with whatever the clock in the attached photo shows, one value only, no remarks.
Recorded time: 7:13:08
